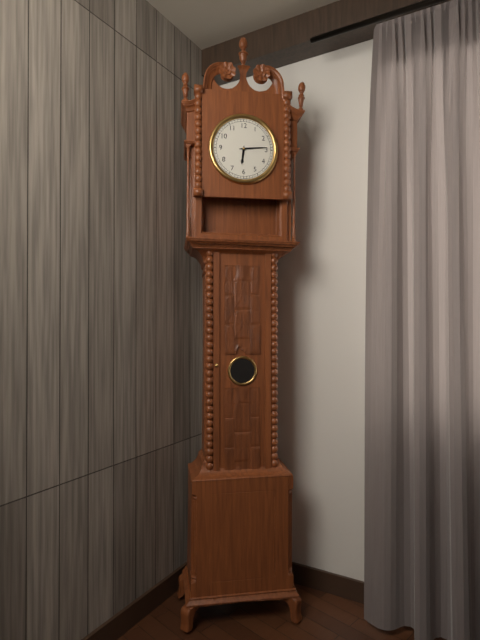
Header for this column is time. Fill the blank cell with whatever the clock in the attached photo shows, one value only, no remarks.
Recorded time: 6:14
